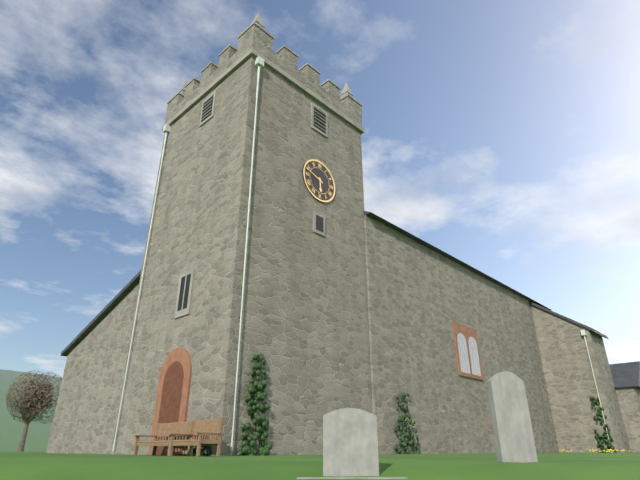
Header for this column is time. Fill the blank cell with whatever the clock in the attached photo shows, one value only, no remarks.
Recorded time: 5:48
